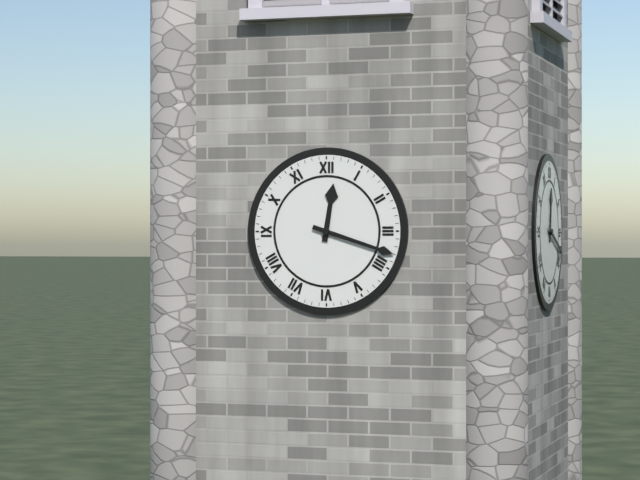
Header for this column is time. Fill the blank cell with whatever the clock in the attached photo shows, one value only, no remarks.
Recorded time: 12:18
